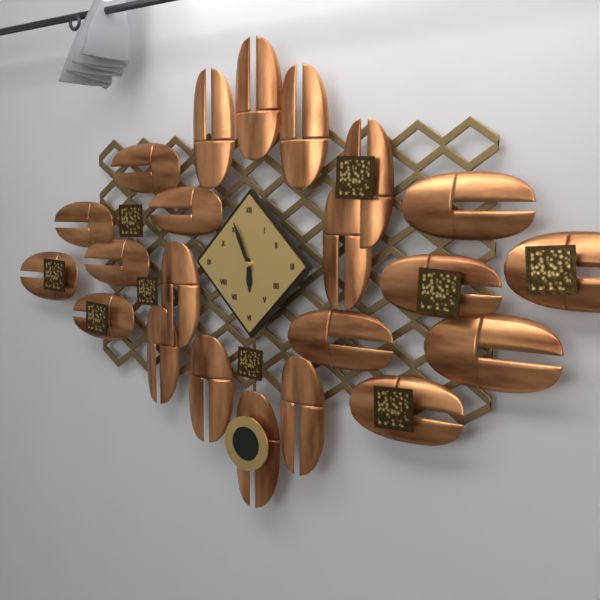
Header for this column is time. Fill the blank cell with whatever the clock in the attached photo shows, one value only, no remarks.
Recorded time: 5:56
